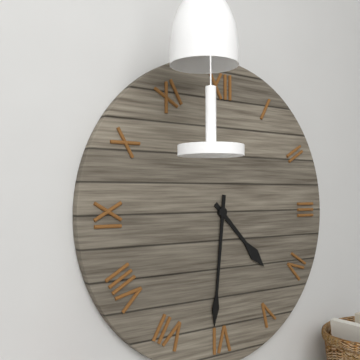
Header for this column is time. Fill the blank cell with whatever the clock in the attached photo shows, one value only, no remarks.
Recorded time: 4:31
